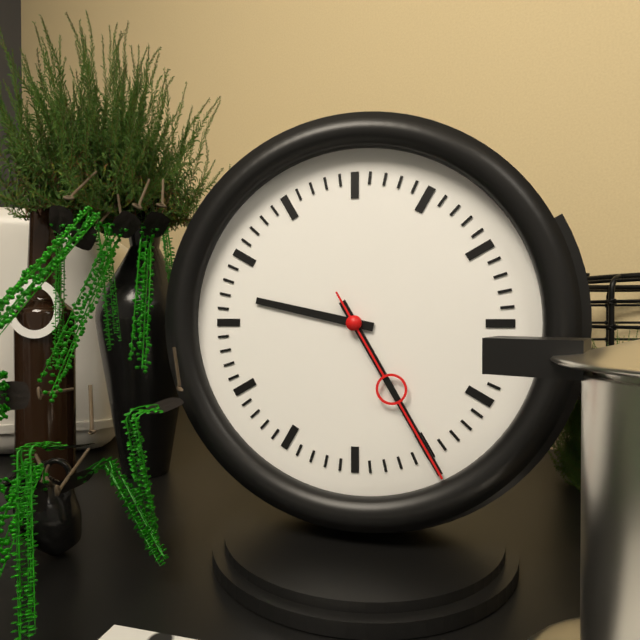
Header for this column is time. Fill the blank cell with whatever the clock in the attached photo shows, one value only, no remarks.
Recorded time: 9:25:25
